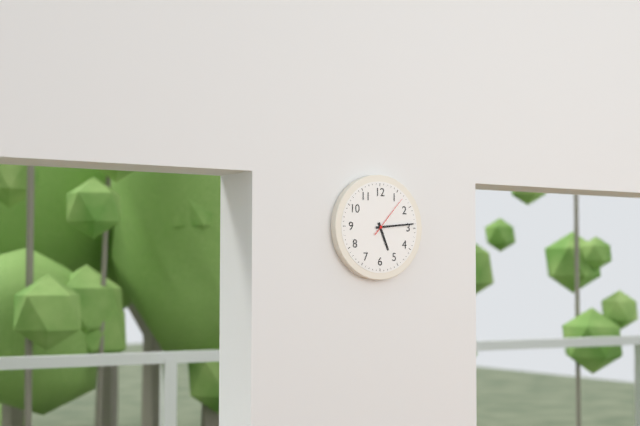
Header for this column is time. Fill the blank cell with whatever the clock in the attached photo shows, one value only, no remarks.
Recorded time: 5:14
